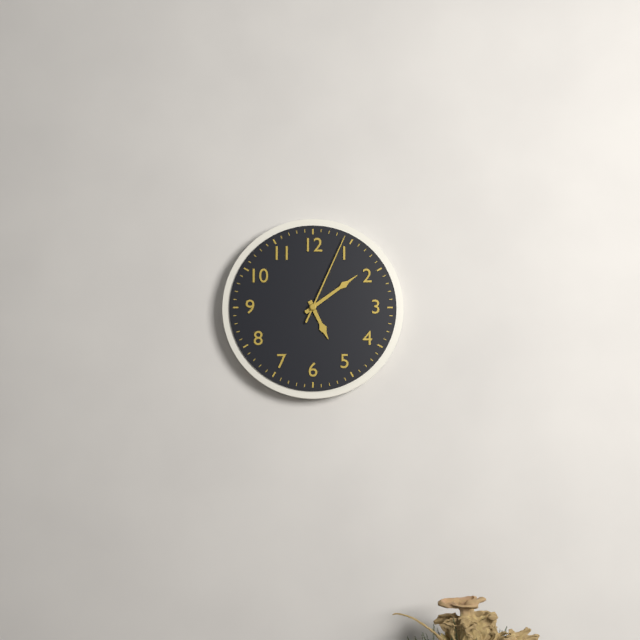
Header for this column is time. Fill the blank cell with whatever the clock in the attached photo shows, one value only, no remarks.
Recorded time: 5:09:04
